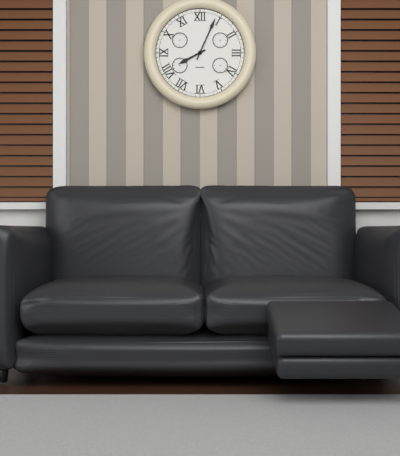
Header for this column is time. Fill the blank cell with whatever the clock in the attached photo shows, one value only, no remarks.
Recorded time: 8:04
